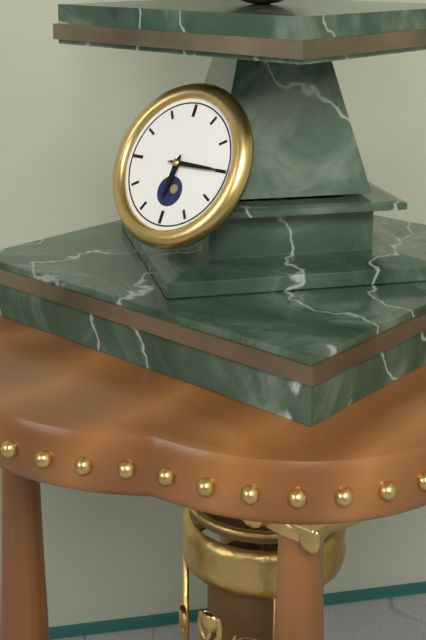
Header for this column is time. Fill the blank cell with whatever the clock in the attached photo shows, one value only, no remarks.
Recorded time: 6:15
